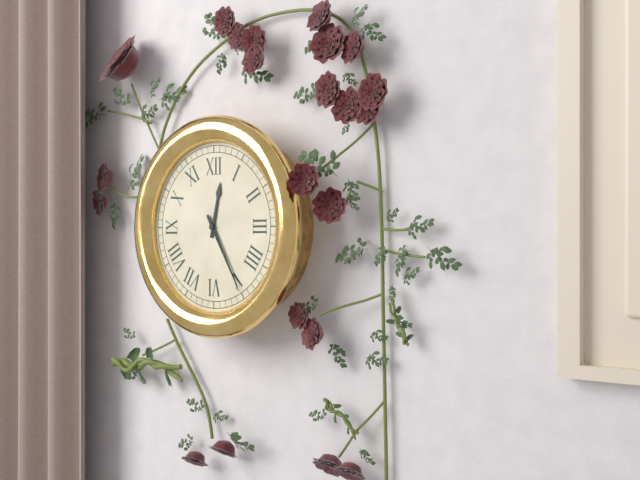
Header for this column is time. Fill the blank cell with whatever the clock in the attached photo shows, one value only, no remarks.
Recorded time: 12:25
